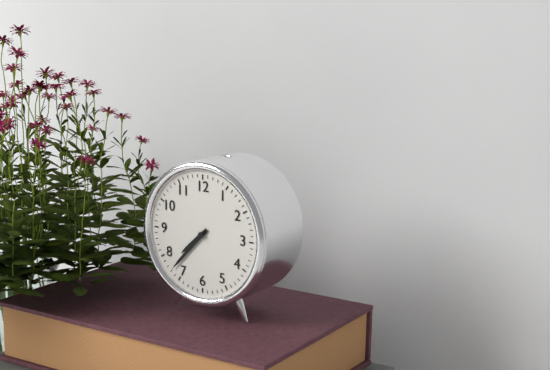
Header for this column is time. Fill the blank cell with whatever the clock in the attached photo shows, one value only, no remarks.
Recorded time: 7:37
